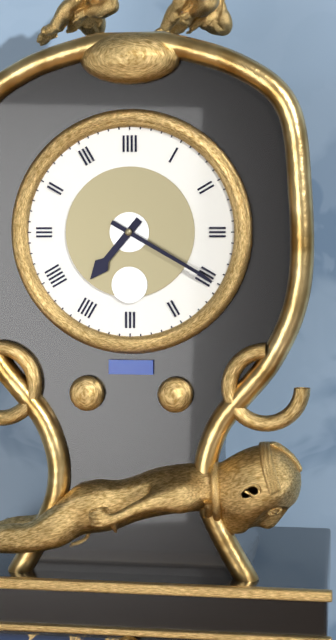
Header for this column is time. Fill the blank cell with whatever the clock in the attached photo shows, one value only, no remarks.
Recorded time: 7:20
